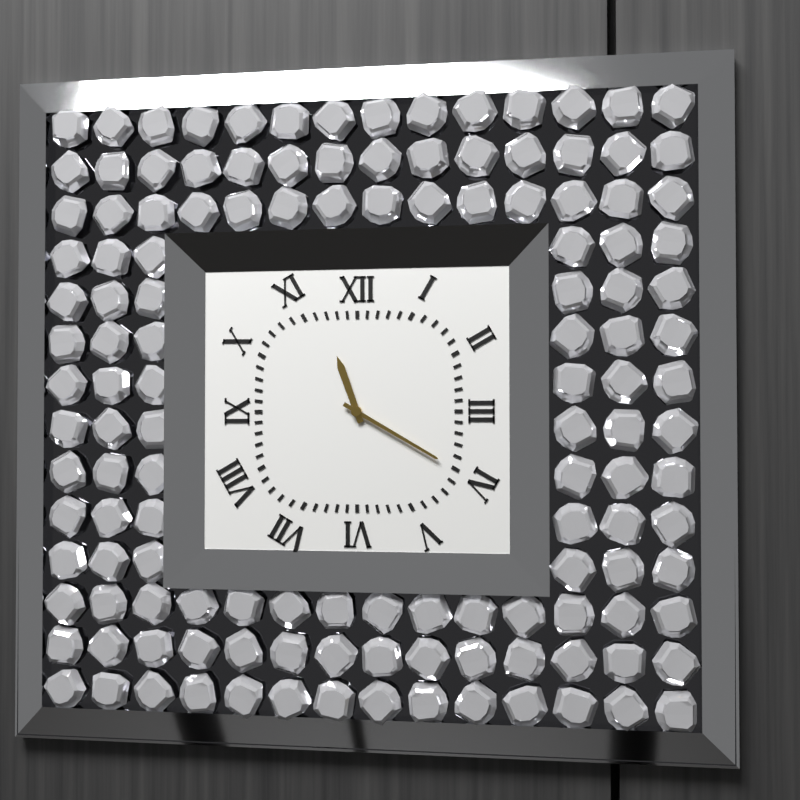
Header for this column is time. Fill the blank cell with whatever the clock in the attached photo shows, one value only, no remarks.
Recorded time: 11:20
